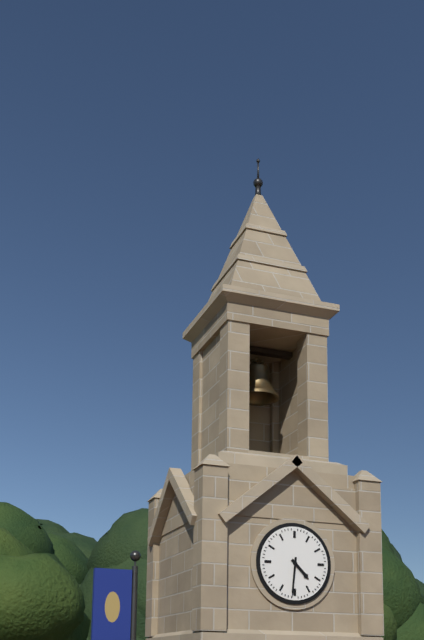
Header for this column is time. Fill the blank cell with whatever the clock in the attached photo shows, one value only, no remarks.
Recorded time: 4:31
